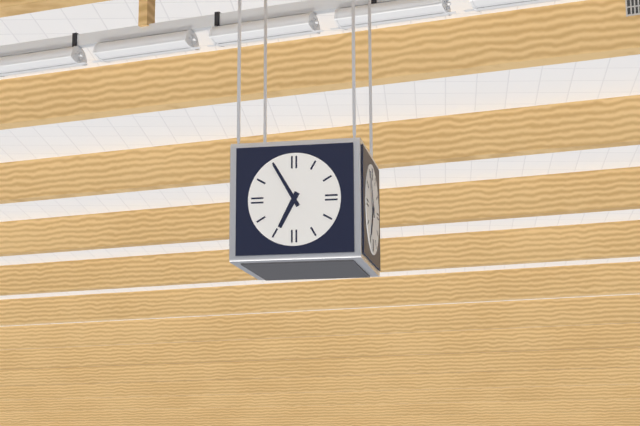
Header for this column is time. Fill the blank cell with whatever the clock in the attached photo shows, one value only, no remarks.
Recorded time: 6:55
